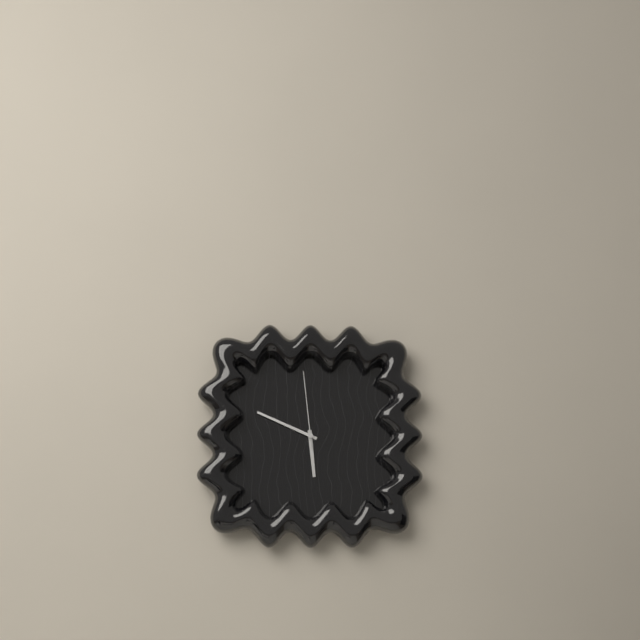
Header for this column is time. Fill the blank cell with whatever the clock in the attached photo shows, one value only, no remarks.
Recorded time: 5:49:59
